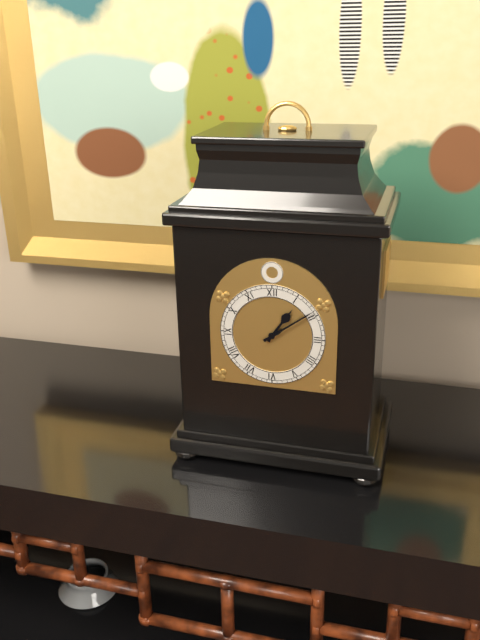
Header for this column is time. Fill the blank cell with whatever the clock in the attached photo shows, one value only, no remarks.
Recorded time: 1:09
